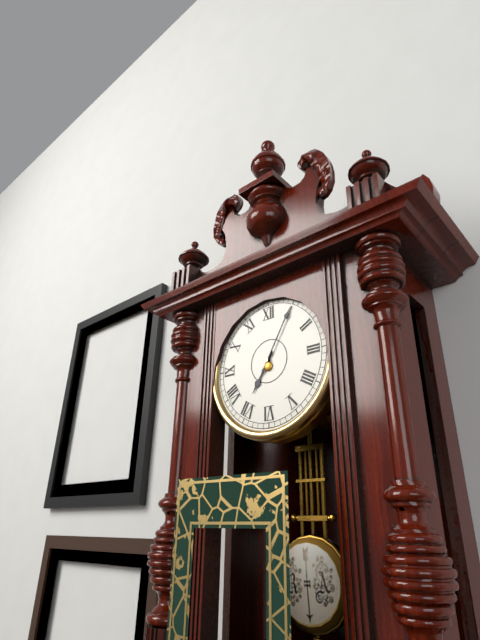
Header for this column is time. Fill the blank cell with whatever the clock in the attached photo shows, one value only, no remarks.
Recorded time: 7:05
